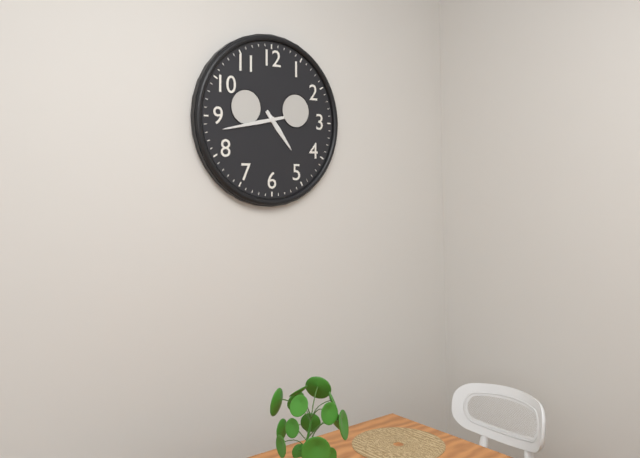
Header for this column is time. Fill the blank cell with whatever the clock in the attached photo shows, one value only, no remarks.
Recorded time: 4:43
